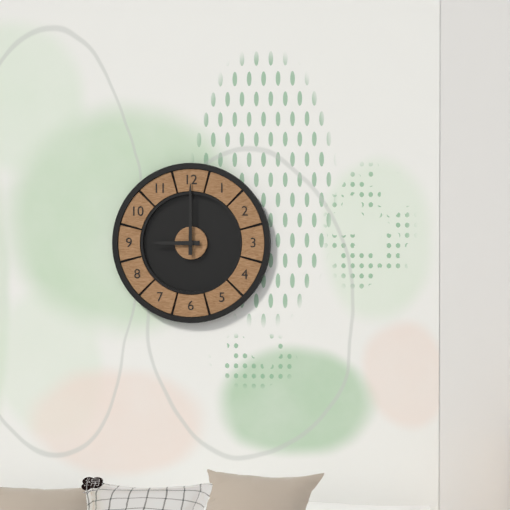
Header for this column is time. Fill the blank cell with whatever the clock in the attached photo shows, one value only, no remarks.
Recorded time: 9:00
